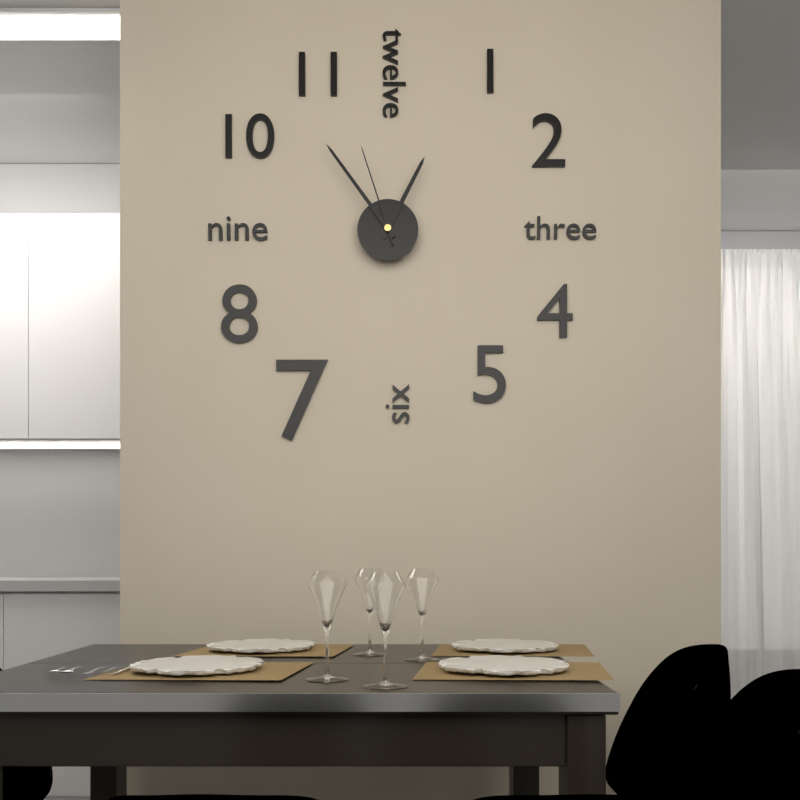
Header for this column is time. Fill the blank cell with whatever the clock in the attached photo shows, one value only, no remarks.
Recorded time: 12:54:57
